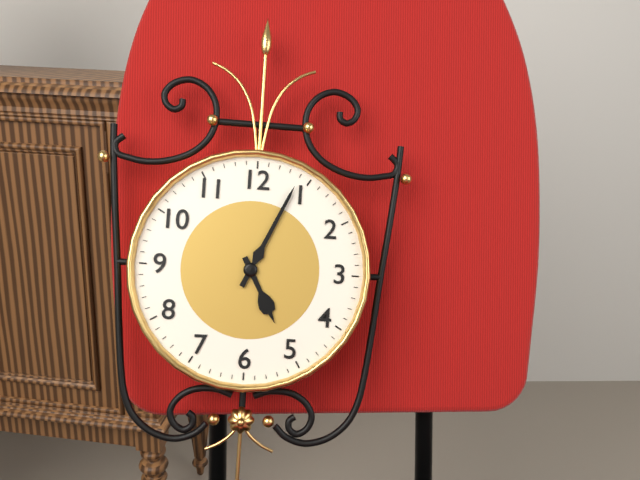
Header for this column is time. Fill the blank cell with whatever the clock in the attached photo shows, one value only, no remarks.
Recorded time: 5:04
